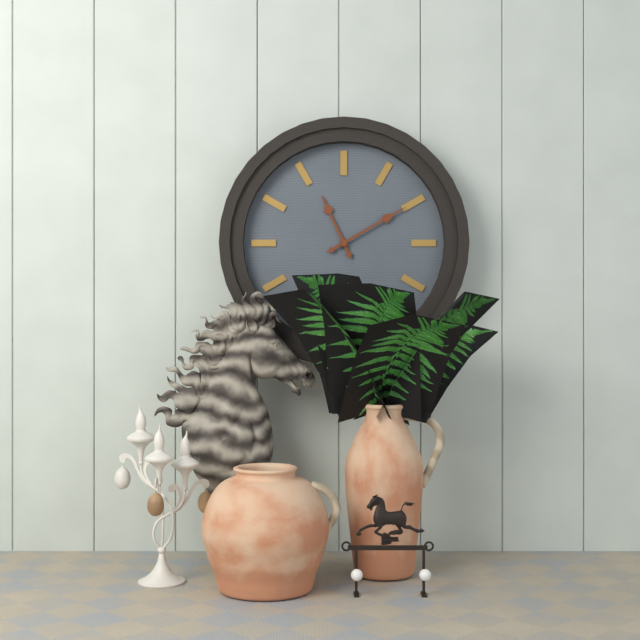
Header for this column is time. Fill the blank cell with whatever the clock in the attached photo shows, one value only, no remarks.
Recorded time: 11:10
